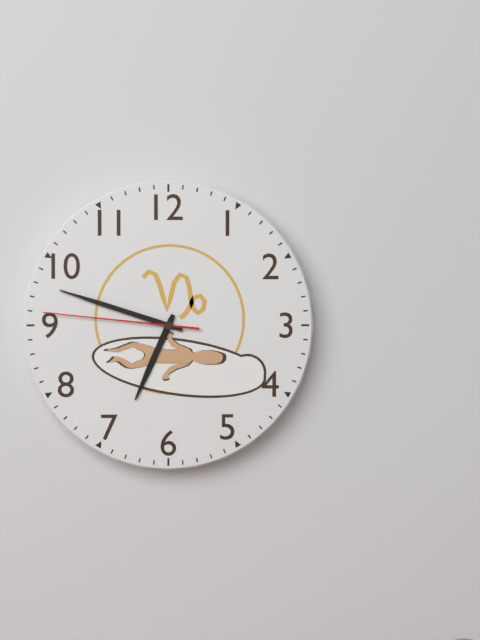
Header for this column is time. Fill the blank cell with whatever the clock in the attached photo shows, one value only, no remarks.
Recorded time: 6:48:46
